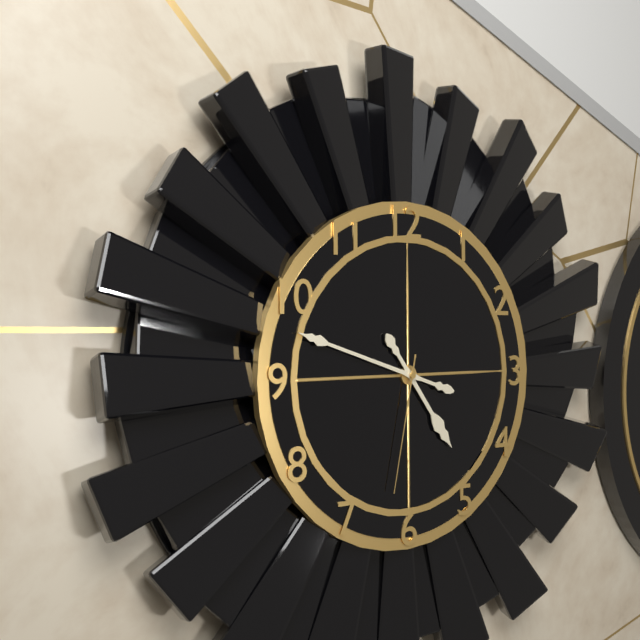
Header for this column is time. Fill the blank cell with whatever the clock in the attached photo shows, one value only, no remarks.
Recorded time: 4:48:32
